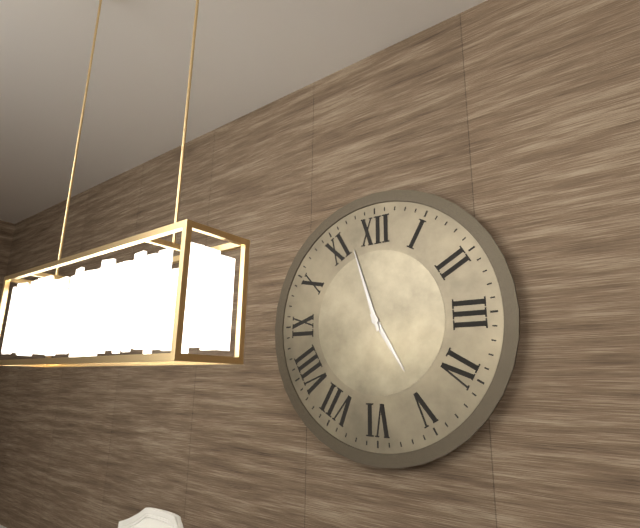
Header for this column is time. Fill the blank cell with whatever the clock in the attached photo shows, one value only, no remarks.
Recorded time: 4:57
